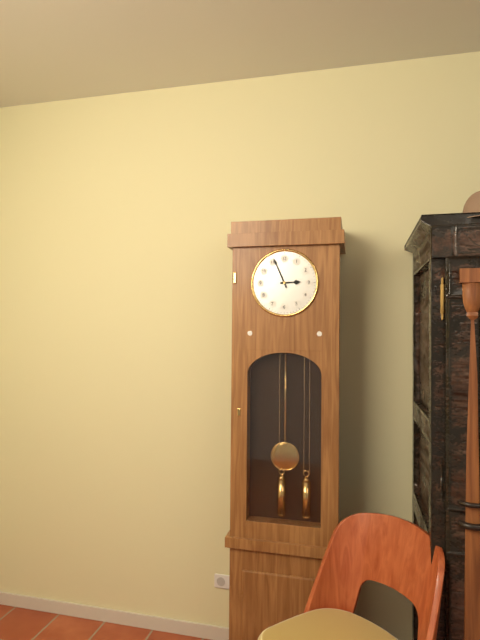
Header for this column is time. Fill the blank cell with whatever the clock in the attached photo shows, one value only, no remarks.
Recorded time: 2:56
